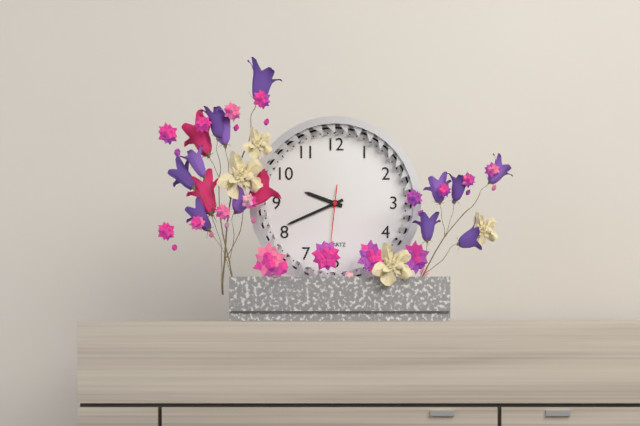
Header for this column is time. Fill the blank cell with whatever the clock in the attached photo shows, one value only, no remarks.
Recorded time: 9:41:31
